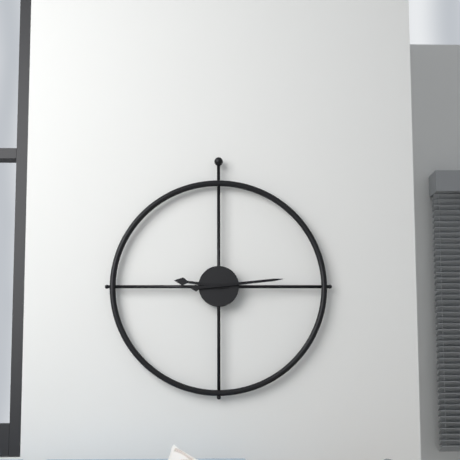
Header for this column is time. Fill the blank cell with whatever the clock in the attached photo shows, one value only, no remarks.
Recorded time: 9:14
